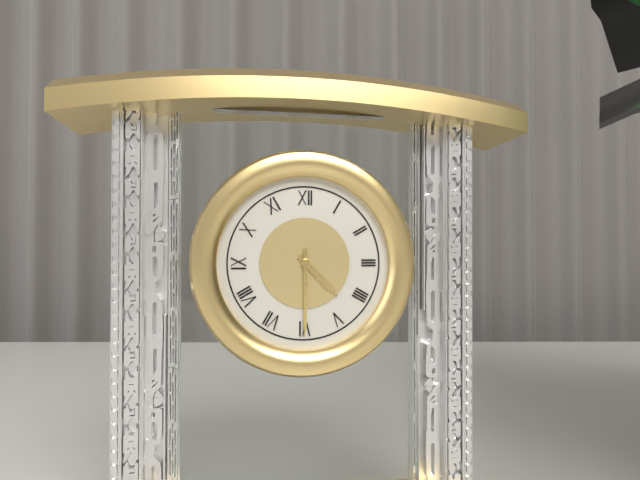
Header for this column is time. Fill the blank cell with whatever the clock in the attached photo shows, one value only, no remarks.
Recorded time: 4:30
